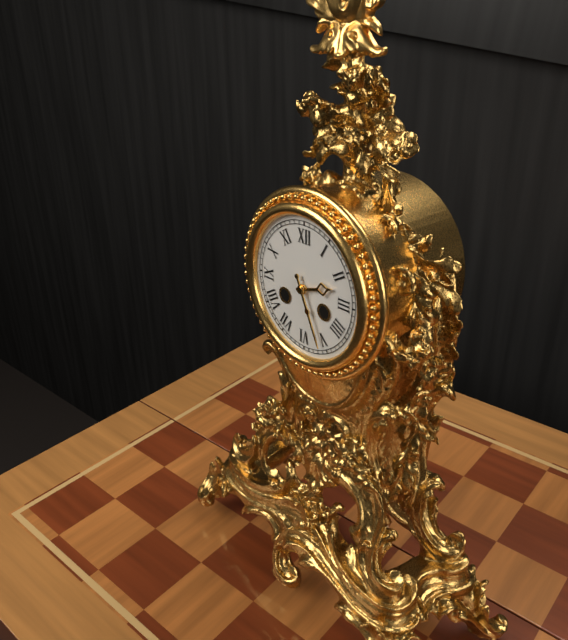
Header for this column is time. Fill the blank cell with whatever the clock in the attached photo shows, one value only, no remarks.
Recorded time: 2:26
